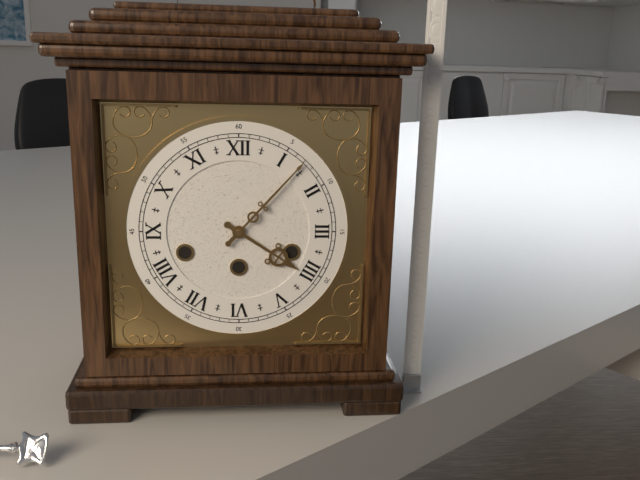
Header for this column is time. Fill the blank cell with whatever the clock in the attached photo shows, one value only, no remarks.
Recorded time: 4:07
